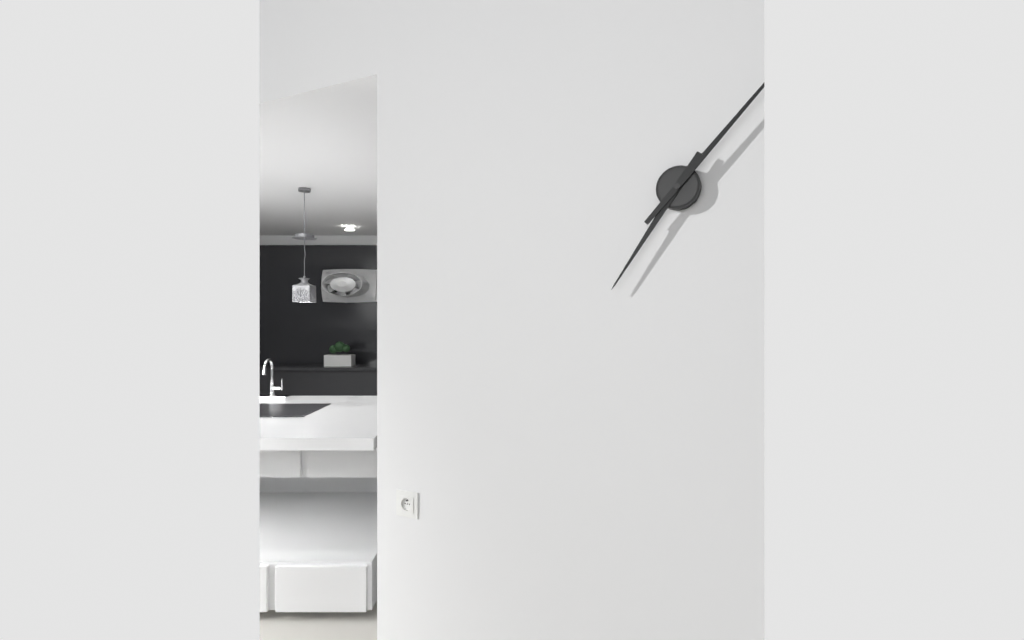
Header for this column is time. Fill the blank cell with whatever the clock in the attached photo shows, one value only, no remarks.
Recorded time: 7:07
